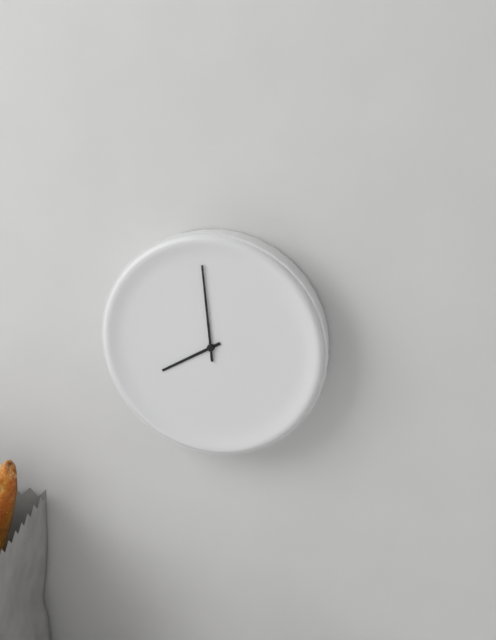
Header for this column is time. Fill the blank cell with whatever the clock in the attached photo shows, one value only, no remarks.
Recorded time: 7:59
